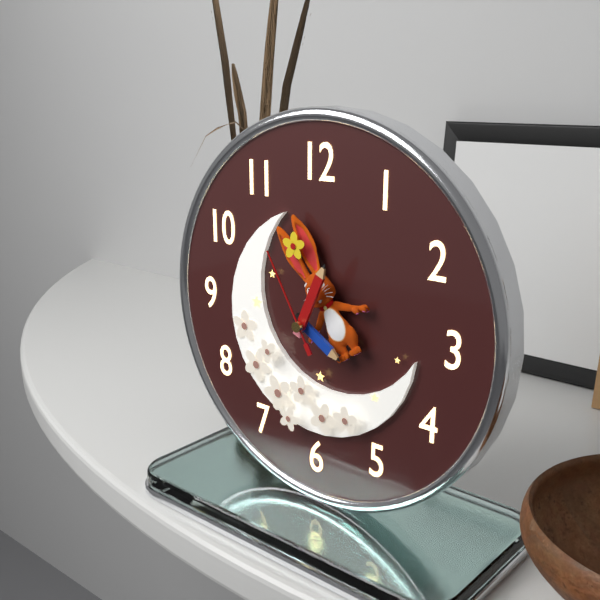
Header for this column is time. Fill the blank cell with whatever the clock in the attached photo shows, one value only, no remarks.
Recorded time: 4:04:55
